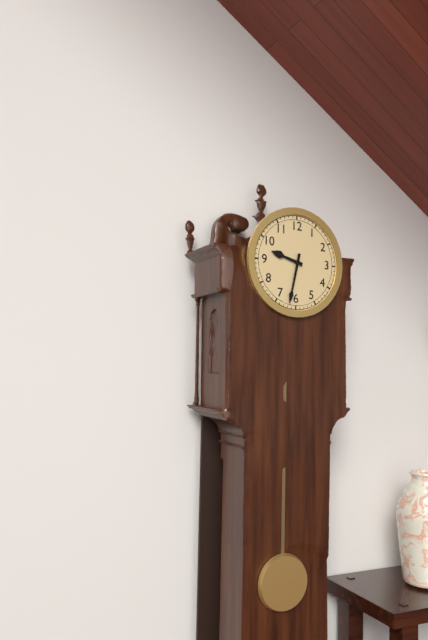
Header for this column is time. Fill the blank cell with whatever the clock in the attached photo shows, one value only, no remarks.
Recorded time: 9:32
